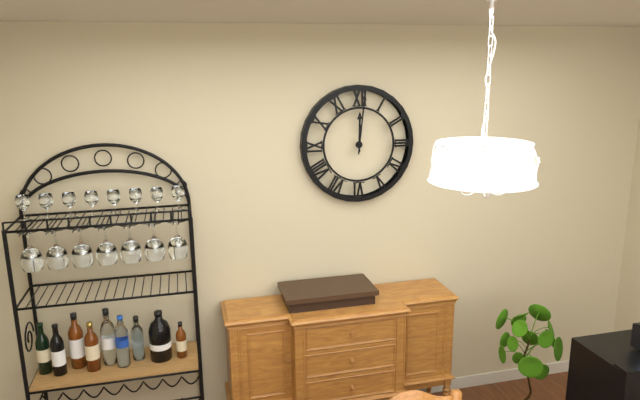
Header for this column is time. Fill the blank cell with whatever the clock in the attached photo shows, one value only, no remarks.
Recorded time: 12:01
